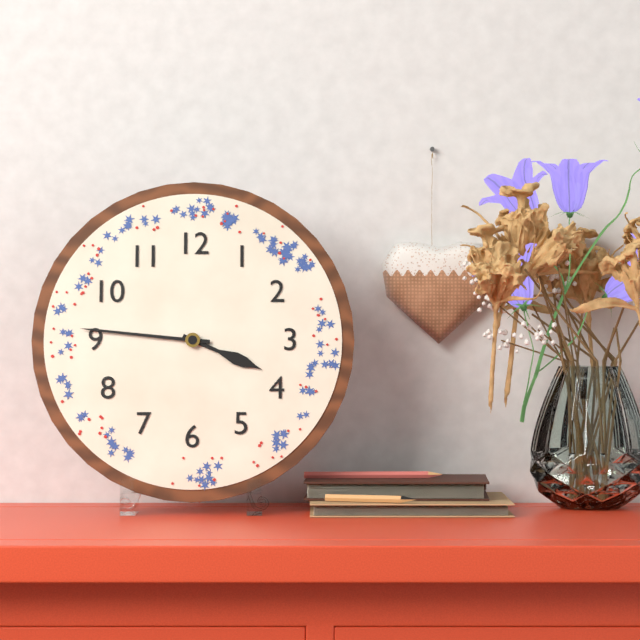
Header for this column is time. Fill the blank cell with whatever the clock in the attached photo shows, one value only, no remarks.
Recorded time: 3:46
